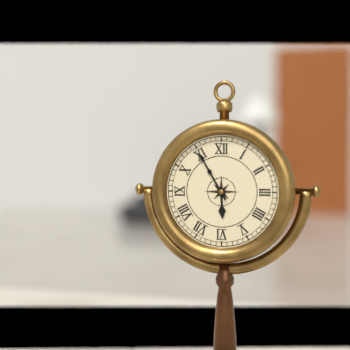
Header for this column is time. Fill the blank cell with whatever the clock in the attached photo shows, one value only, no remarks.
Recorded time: 5:55
